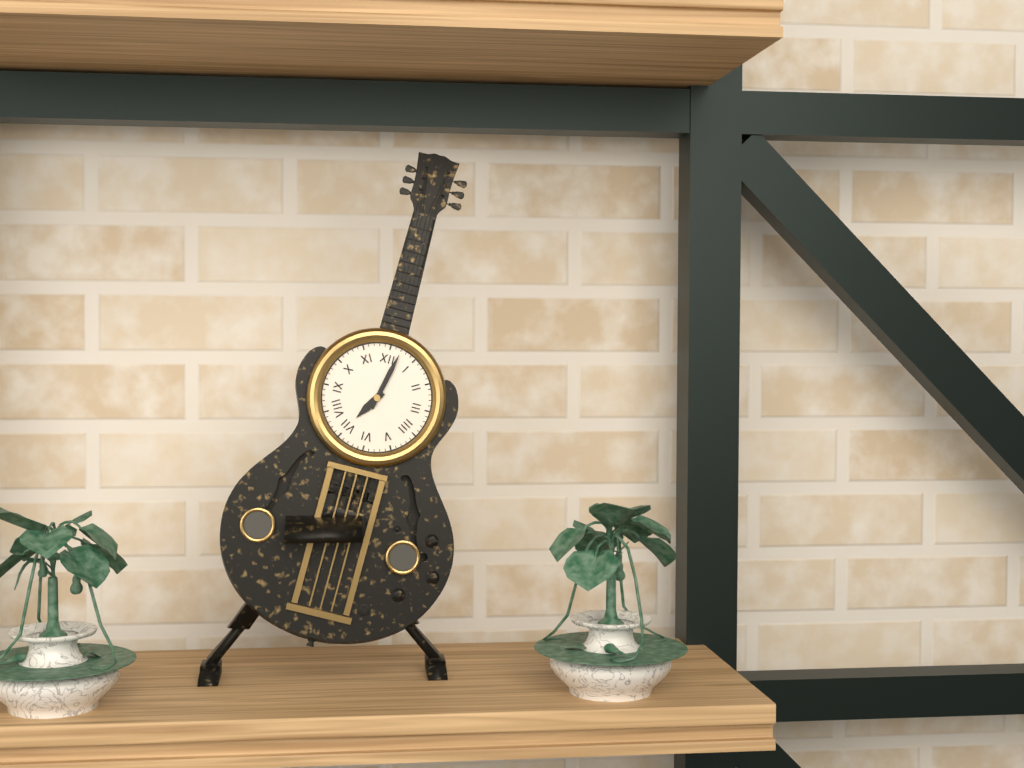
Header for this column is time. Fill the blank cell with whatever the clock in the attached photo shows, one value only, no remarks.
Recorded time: 7:02
